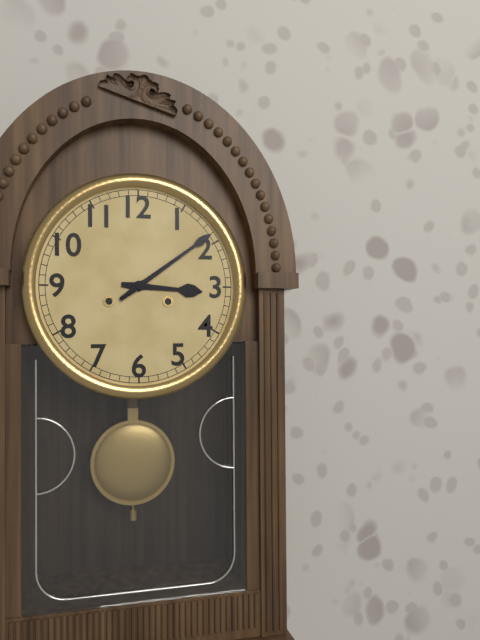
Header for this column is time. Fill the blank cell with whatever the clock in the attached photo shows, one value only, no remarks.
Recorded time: 3:09
